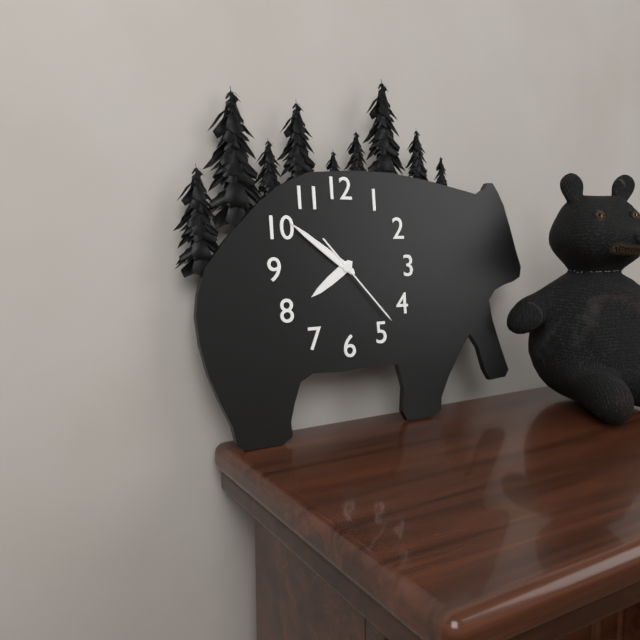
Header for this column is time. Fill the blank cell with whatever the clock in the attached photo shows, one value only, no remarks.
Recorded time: 7:51:23
